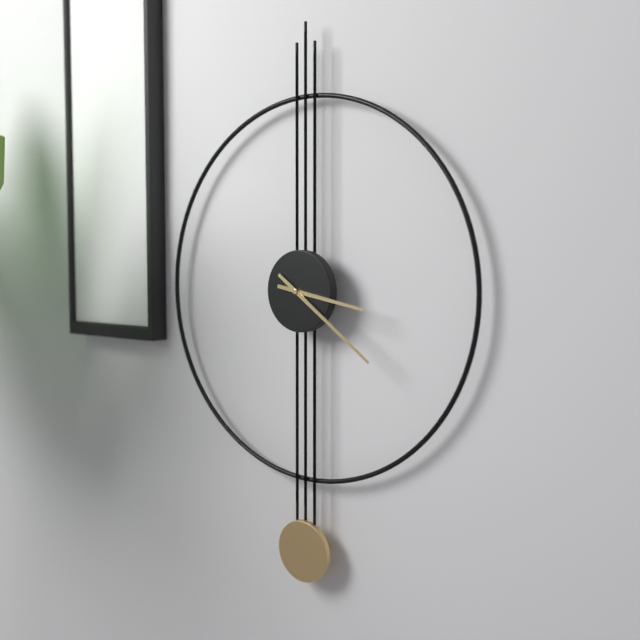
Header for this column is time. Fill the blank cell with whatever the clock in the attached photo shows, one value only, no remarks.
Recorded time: 3:21
